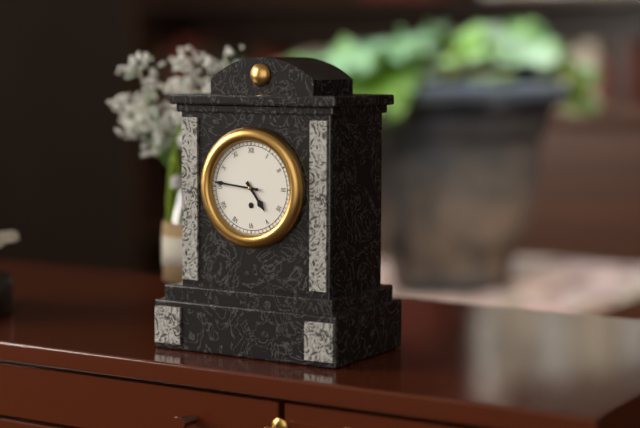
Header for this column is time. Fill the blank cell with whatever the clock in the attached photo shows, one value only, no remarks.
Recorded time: 4:46
